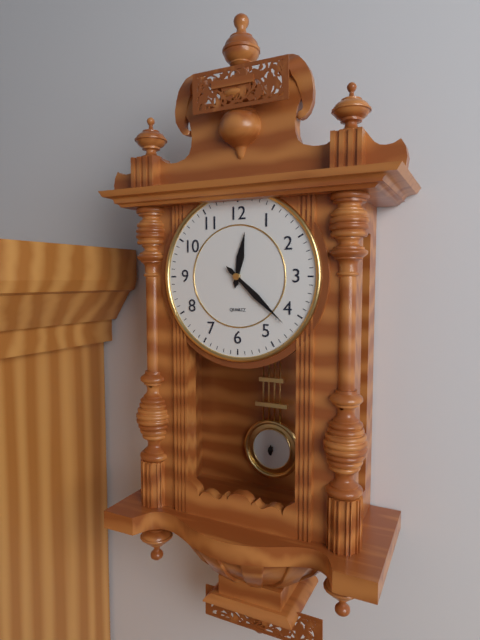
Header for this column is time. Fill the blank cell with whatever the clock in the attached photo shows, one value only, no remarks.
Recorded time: 12:22
